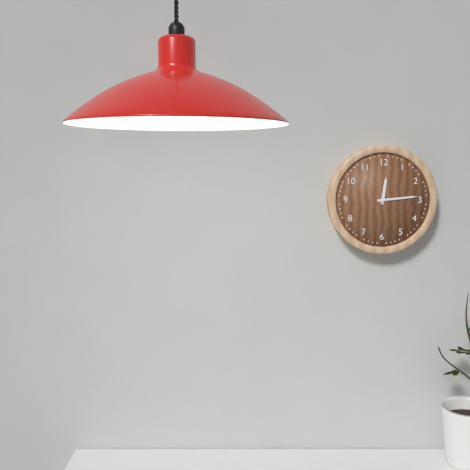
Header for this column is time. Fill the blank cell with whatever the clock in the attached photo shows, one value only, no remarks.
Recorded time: 12:14
